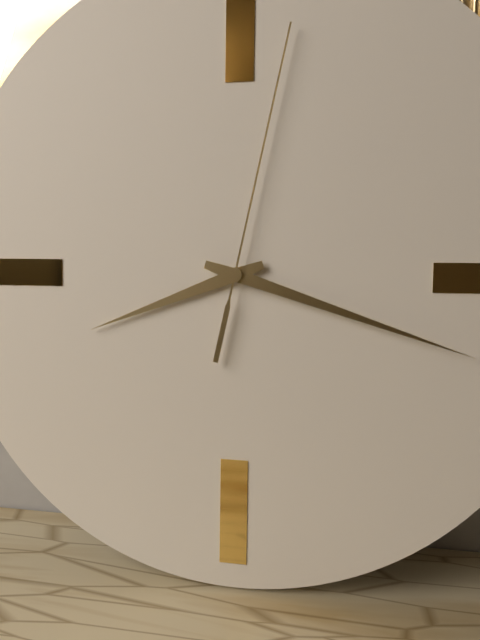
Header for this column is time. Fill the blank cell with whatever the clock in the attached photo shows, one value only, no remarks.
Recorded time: 8:18:02
